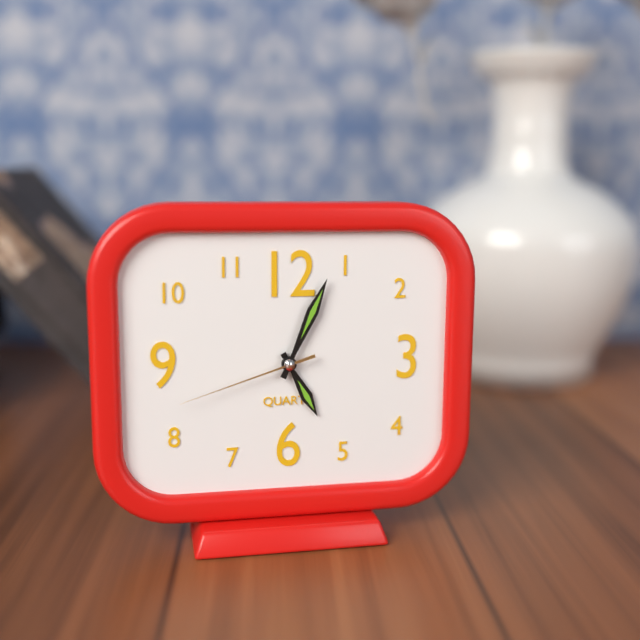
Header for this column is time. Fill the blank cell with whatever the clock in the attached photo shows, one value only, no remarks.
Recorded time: 5:04:42
